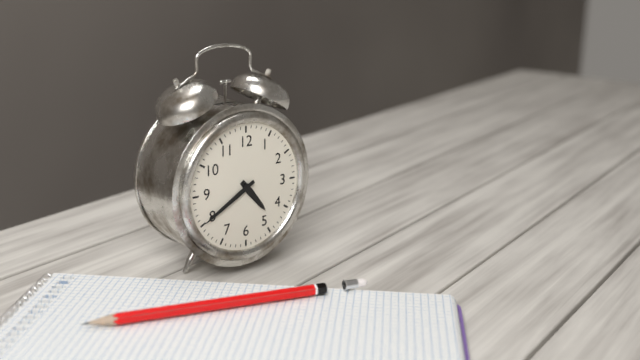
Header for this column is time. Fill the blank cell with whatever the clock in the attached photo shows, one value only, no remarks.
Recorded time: 4:40
